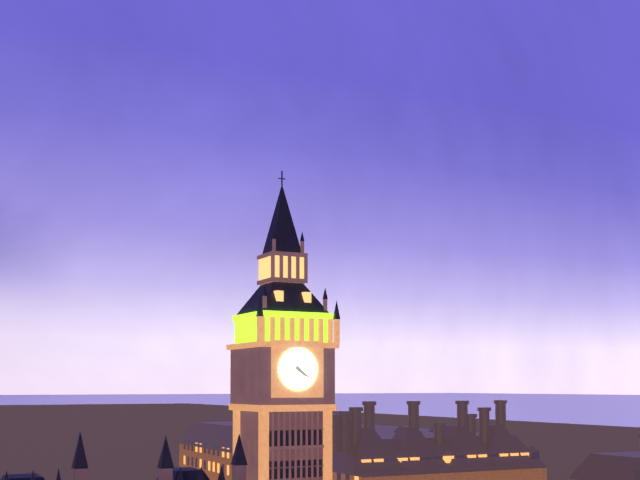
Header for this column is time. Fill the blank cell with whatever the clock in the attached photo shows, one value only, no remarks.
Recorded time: 4:21
